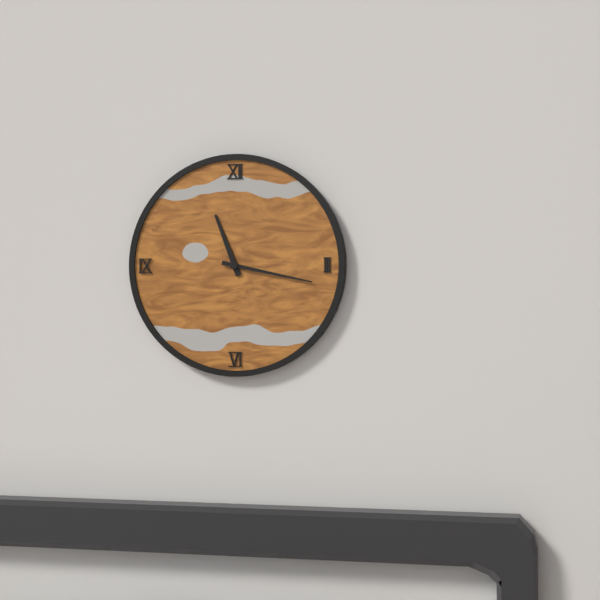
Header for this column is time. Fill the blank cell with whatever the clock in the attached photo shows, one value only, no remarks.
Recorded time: 11:17
